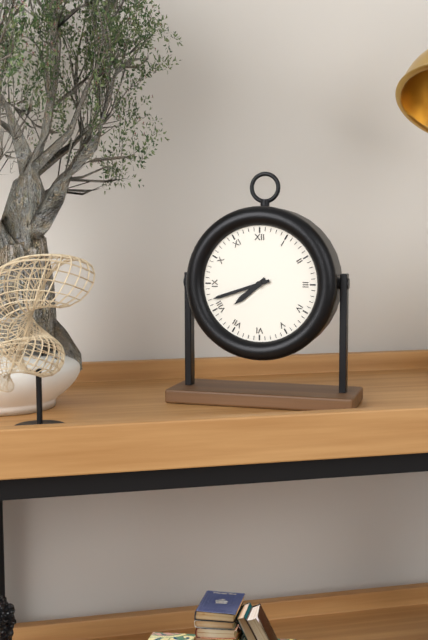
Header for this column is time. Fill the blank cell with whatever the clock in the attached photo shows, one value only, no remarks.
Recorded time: 7:42
